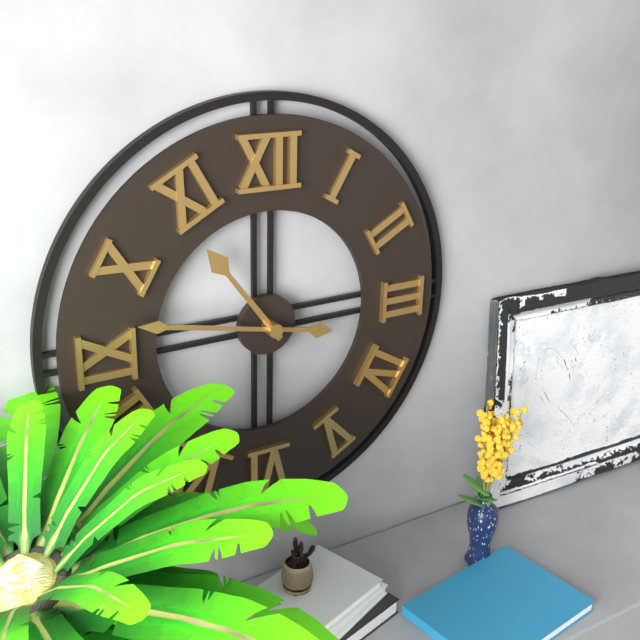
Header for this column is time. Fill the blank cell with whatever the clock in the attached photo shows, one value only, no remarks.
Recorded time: 10:47
